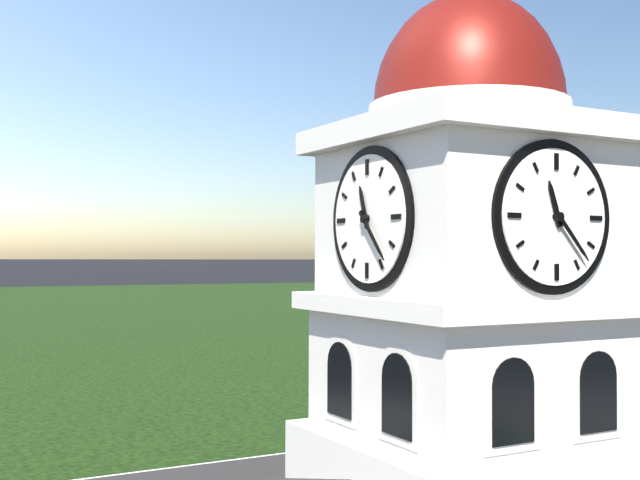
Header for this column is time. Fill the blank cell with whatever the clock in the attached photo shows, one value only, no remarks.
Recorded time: 11:23
